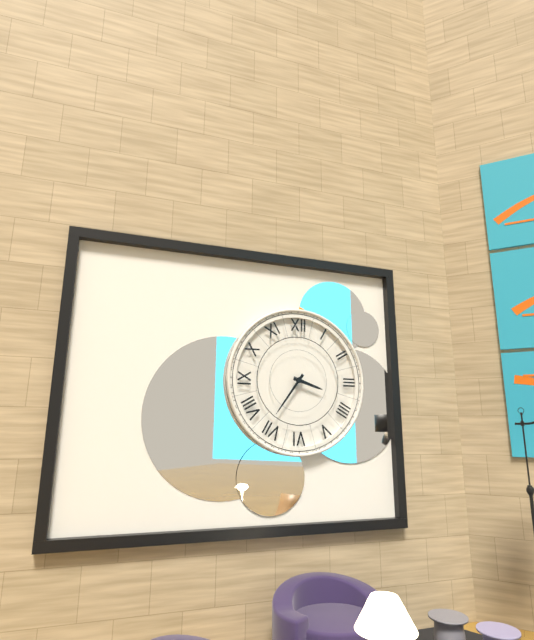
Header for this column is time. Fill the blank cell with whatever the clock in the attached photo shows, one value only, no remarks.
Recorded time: 3:36
